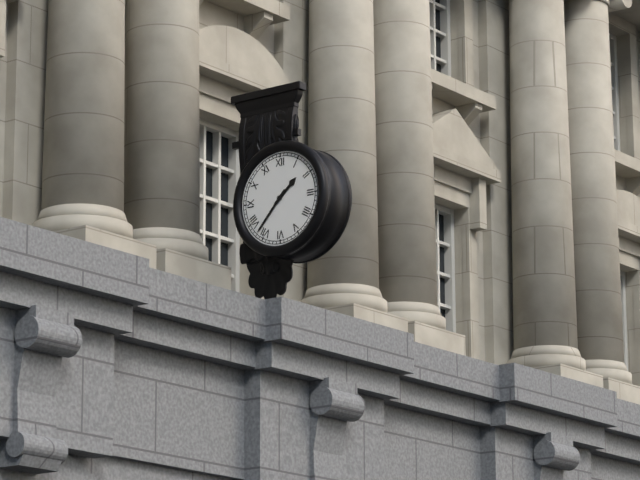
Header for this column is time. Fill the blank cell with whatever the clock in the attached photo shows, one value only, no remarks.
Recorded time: 1:37
